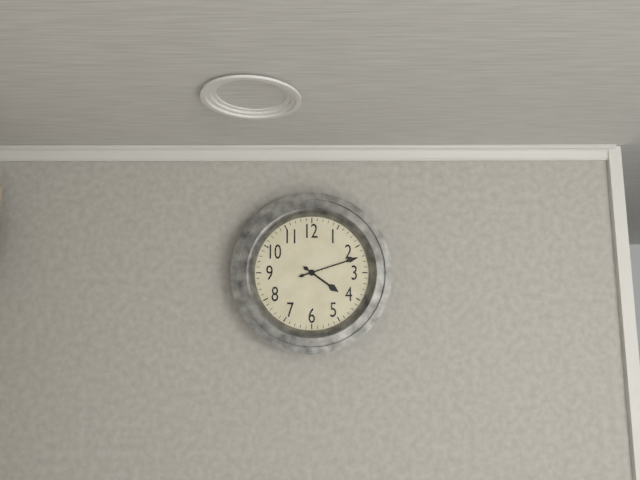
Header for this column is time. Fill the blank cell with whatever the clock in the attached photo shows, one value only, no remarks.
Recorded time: 4:12
